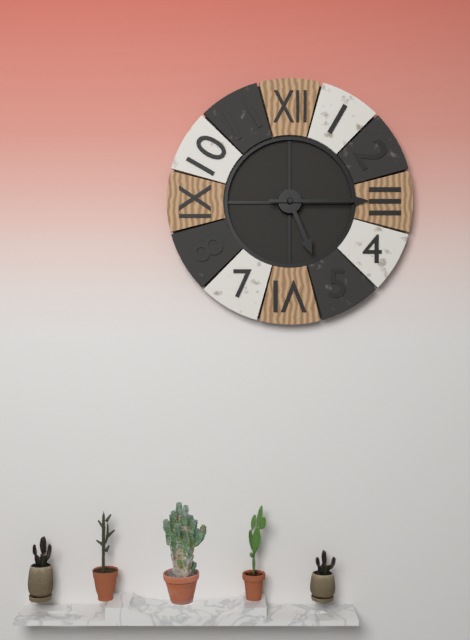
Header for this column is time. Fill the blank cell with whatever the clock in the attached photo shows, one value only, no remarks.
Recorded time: 5:15
